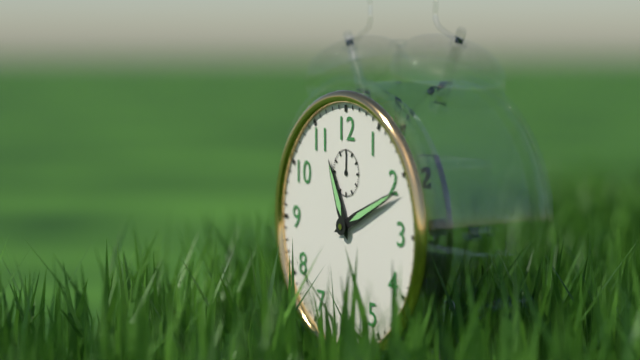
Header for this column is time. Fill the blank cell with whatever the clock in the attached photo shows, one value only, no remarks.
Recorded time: 11:11
